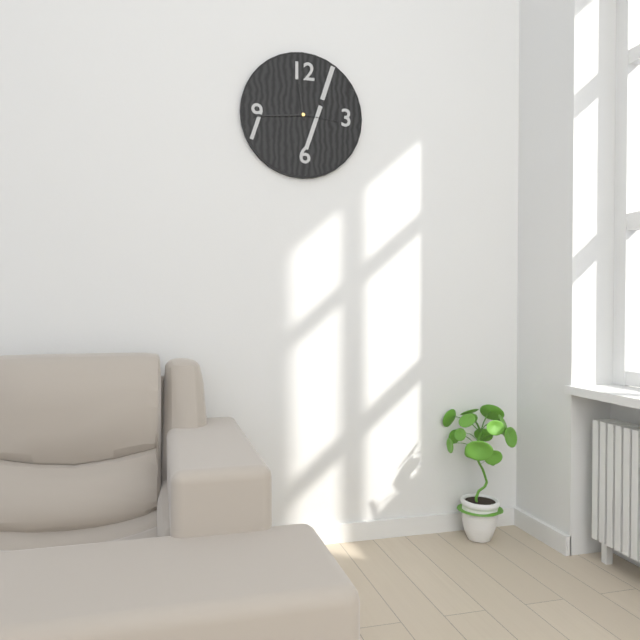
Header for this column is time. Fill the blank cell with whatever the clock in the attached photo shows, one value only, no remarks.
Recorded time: 11:44
